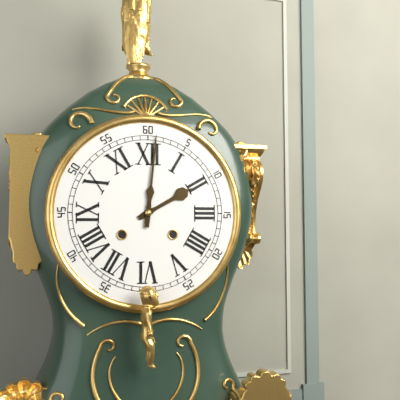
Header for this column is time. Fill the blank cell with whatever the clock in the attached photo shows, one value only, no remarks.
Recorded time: 2:01
